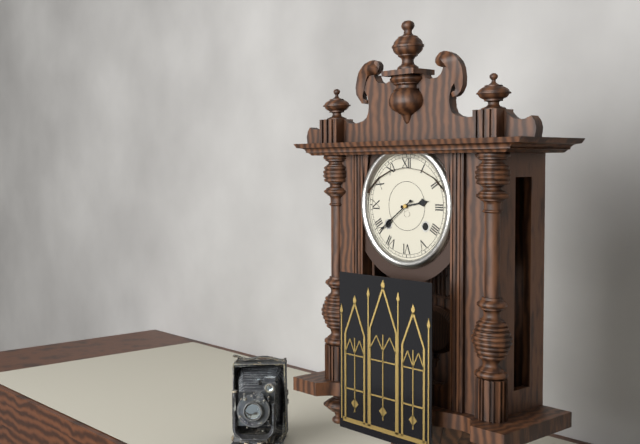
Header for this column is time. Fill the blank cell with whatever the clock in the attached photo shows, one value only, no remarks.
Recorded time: 2:39
